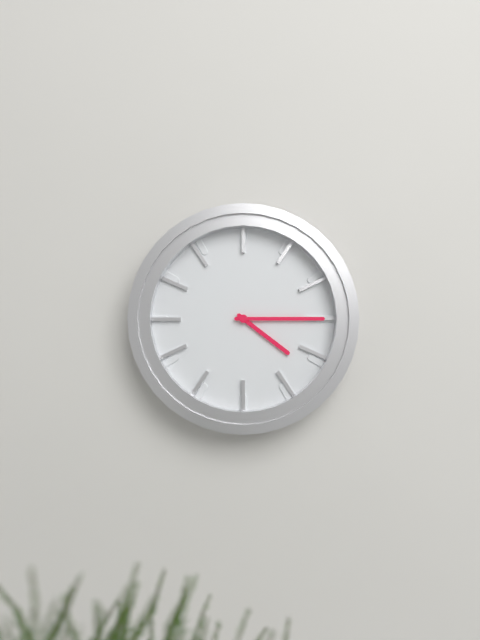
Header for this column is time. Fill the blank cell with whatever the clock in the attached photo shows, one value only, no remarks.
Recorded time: 4:15
